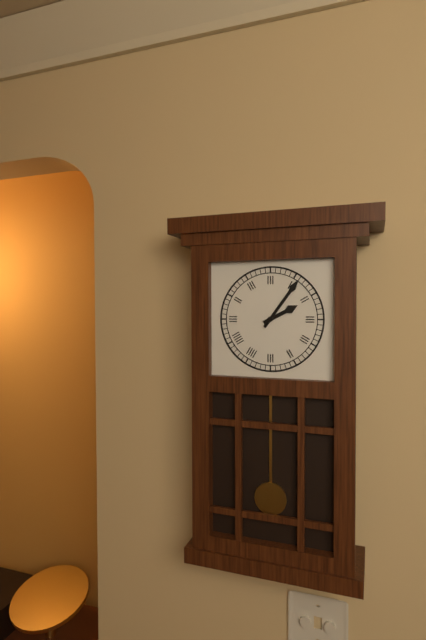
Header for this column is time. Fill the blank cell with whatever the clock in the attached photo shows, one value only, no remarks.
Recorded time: 2:06
